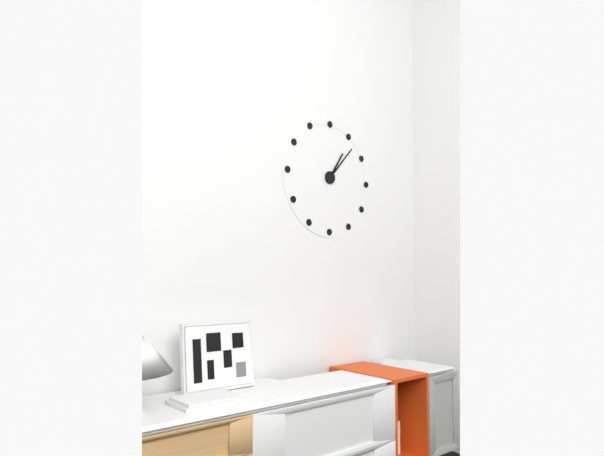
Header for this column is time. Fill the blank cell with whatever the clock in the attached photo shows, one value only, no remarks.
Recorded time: 1:07
